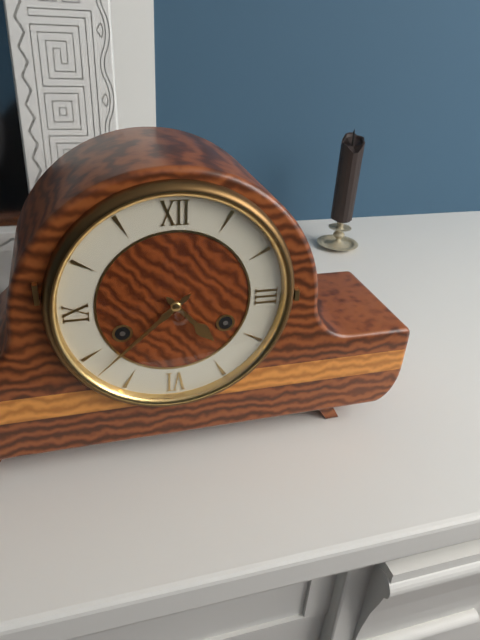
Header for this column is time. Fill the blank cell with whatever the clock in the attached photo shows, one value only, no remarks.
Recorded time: 4:38
